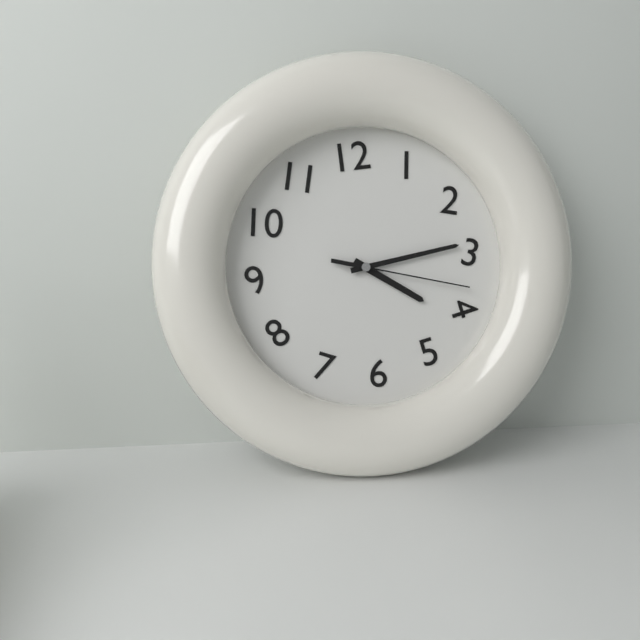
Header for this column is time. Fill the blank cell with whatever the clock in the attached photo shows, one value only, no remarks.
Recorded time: 4:14:18
